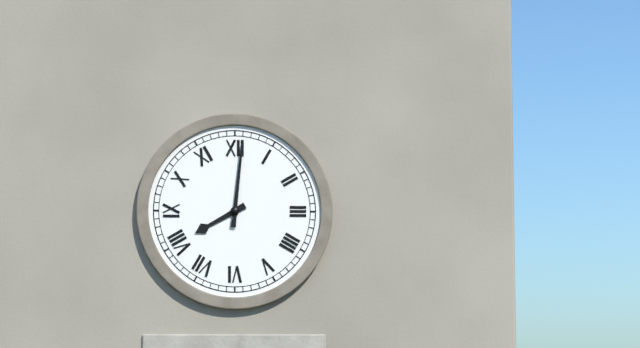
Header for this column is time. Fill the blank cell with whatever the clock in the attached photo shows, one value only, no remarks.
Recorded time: 8:01
